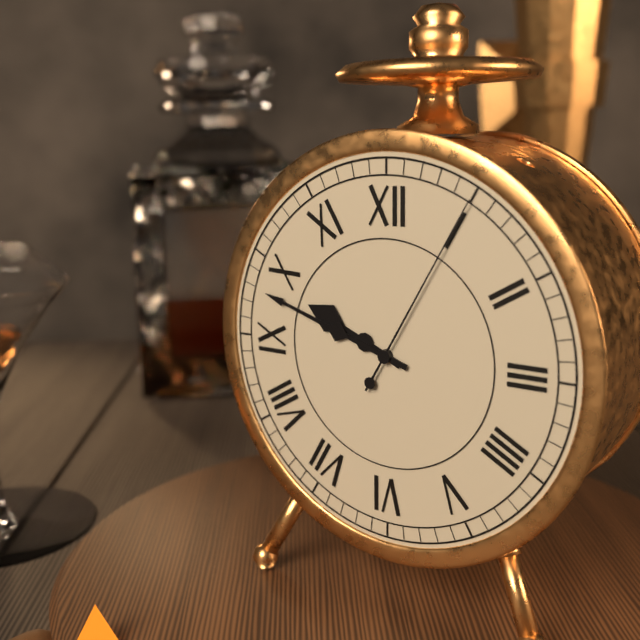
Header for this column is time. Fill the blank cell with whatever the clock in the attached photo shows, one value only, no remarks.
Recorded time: 9:48:05
